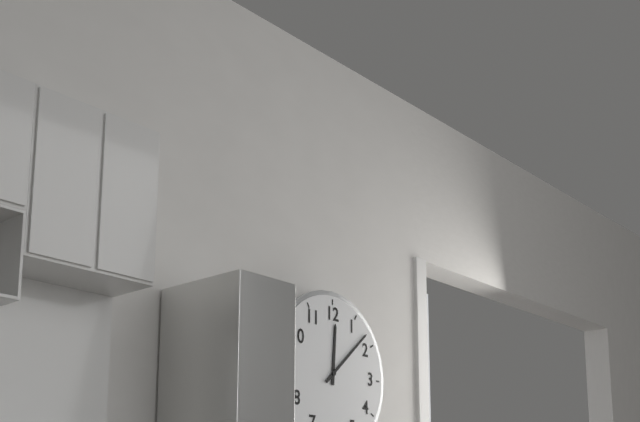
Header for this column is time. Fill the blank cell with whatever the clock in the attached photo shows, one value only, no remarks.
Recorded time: 12:08
